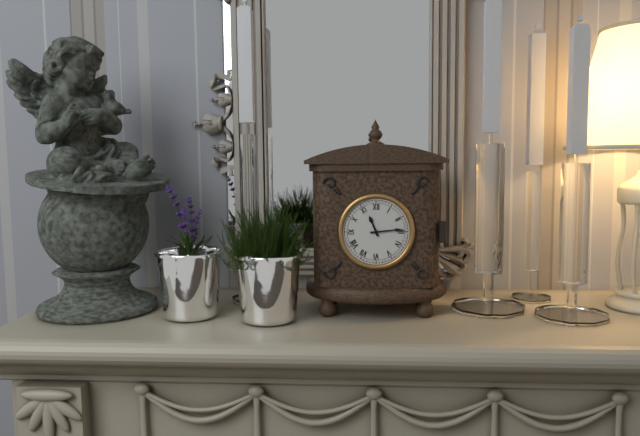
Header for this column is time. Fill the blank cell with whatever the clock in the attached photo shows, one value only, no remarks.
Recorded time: 11:14
